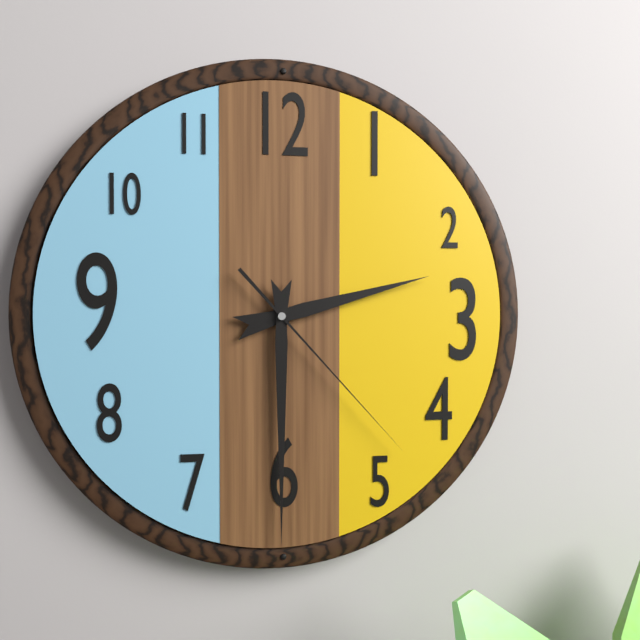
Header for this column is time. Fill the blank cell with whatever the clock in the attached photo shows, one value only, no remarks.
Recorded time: 2:30:23
